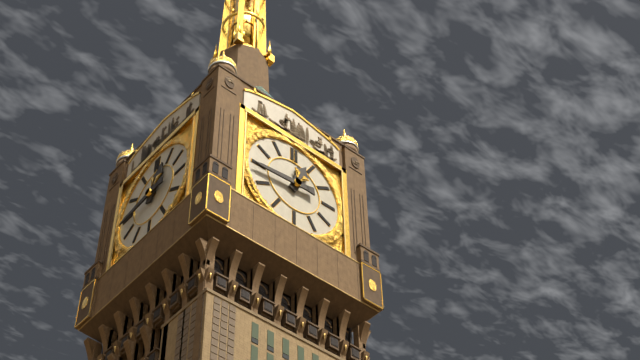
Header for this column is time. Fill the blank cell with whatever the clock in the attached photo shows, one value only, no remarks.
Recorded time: 12:44
